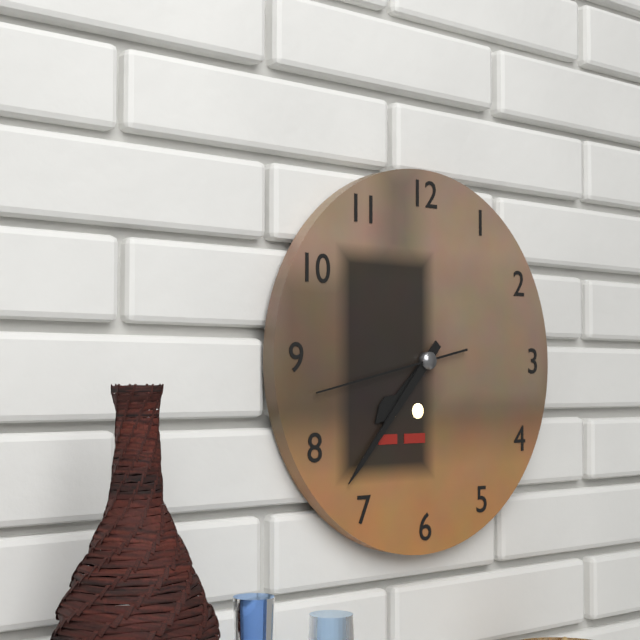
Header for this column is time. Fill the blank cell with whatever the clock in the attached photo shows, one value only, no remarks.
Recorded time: 7:37:43
